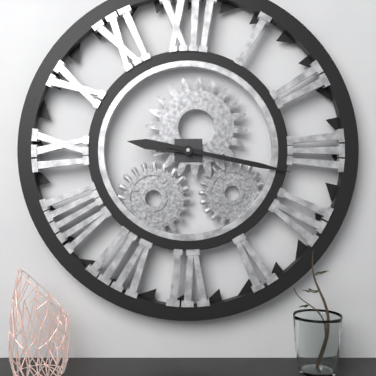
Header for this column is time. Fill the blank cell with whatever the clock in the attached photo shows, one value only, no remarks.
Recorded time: 9:17
